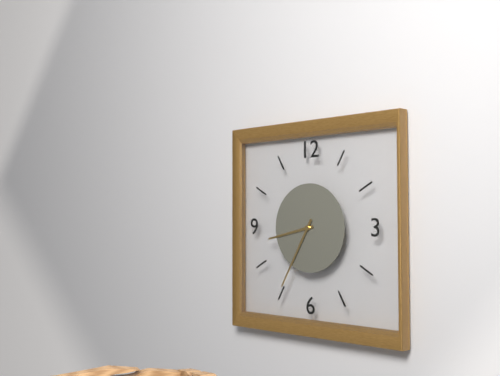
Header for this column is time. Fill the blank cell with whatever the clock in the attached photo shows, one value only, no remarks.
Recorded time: 8:35
